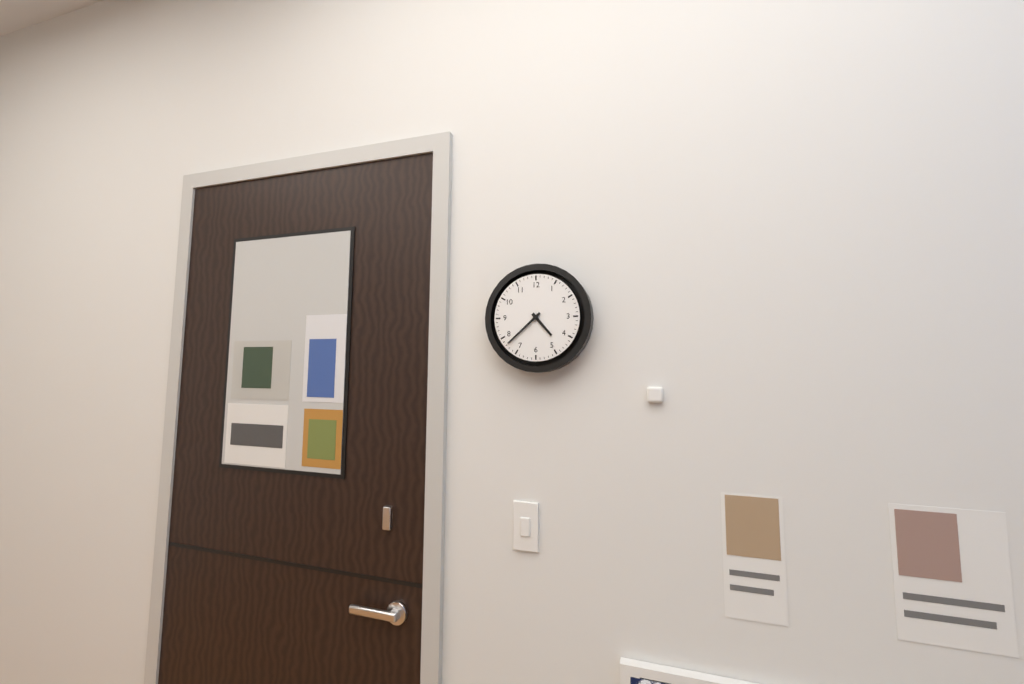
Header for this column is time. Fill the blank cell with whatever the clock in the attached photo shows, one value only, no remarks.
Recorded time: 4:38
